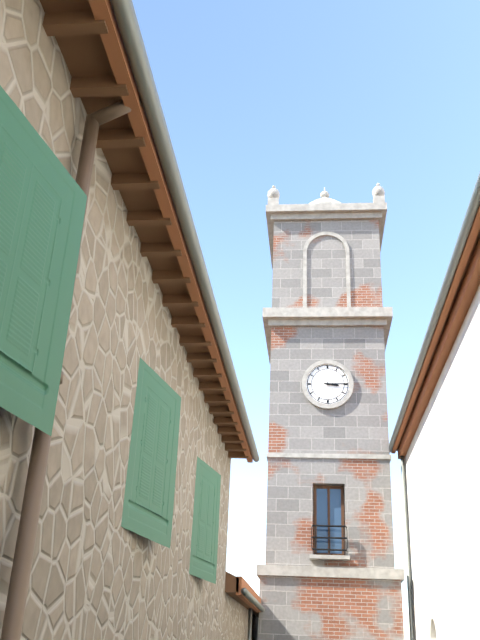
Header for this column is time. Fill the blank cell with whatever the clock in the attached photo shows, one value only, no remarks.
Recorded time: 3:15
